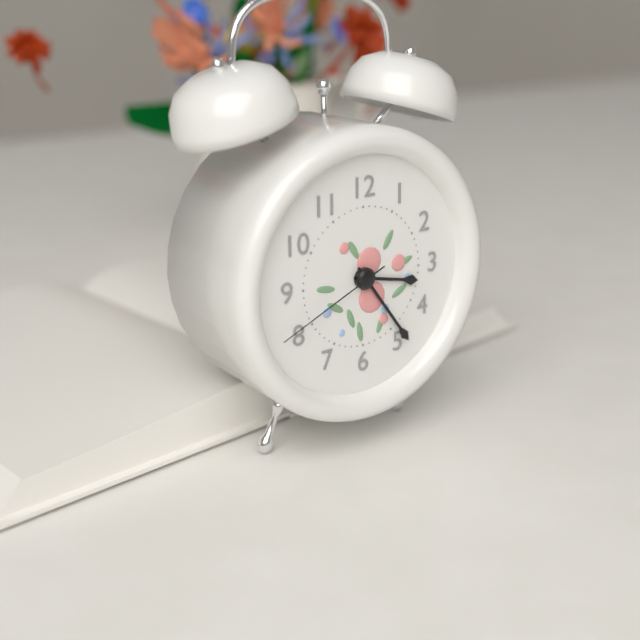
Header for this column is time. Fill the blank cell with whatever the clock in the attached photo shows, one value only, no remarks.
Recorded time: 3:24:41
